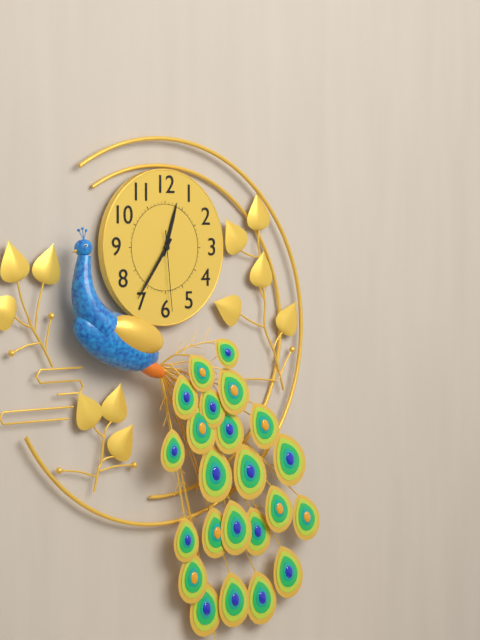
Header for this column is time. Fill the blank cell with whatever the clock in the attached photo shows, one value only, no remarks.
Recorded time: 12:36:29
